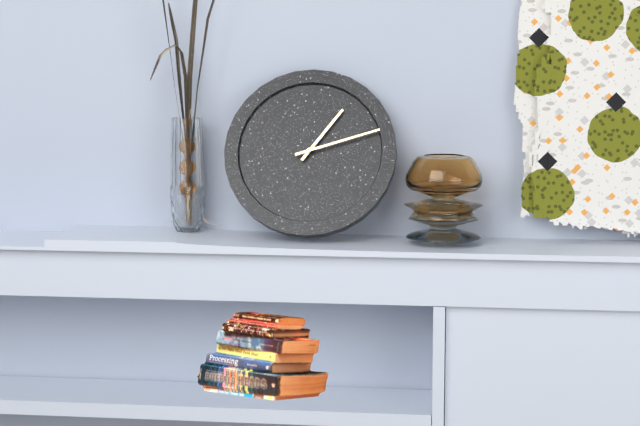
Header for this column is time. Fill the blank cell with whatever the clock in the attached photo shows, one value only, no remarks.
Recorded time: 1:12
